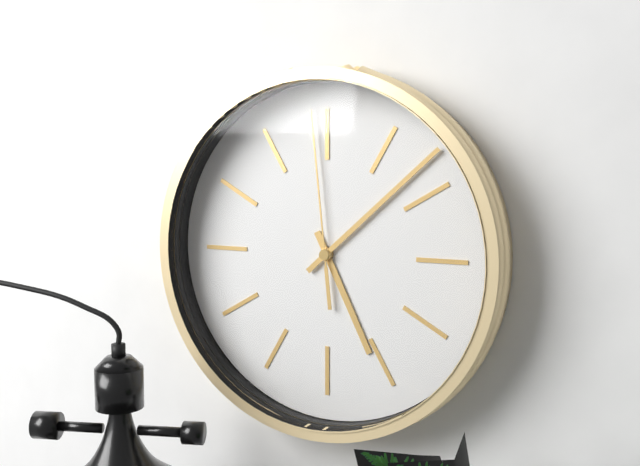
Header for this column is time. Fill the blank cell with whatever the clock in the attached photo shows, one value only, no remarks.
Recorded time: 5:08:59
